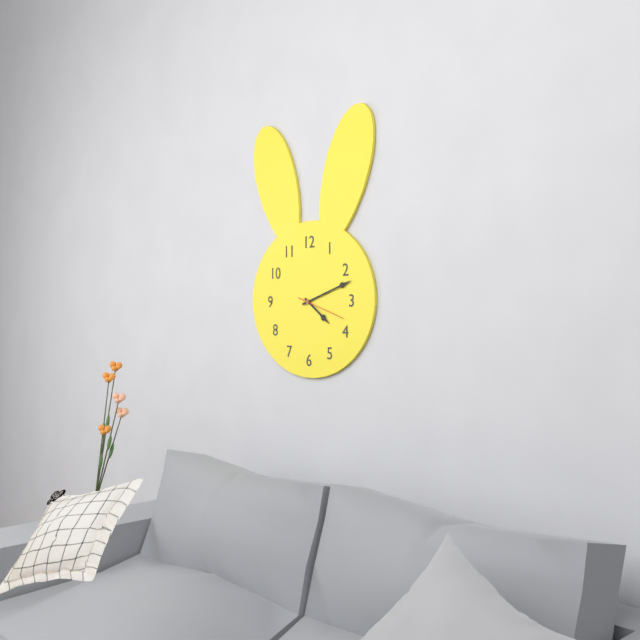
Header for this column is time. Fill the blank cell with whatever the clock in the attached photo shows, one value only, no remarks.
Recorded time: 4:12
